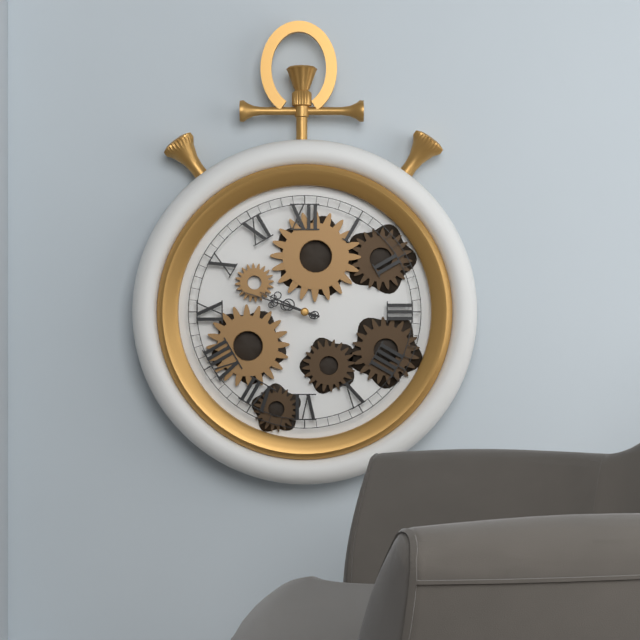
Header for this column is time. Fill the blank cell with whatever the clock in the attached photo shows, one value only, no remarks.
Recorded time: 9:48
